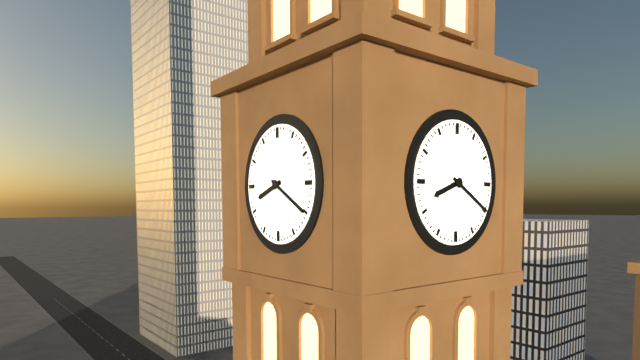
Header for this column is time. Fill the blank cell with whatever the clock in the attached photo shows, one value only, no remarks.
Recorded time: 8:20
